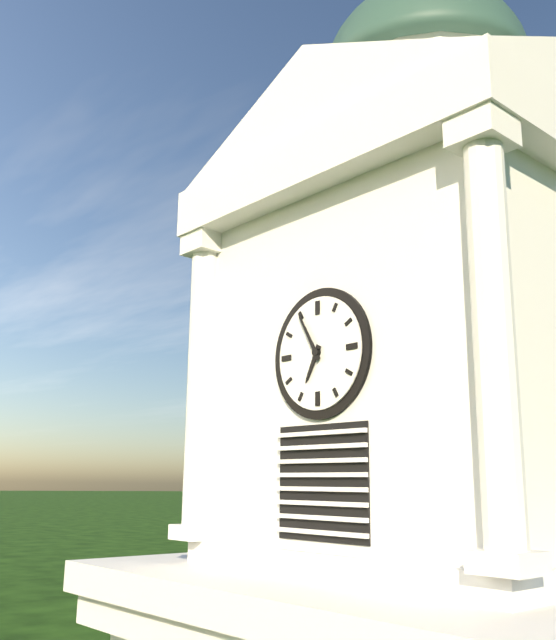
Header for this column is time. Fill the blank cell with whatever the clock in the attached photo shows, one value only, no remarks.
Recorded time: 6:55
